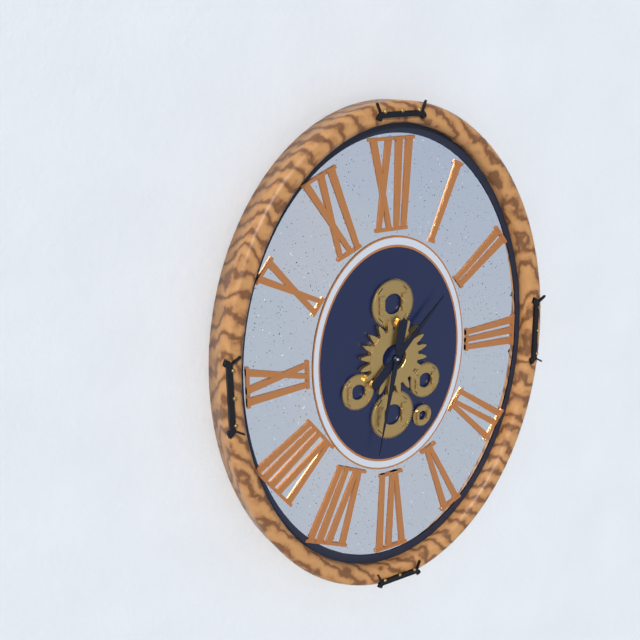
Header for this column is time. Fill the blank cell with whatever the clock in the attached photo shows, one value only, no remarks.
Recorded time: 1:32
